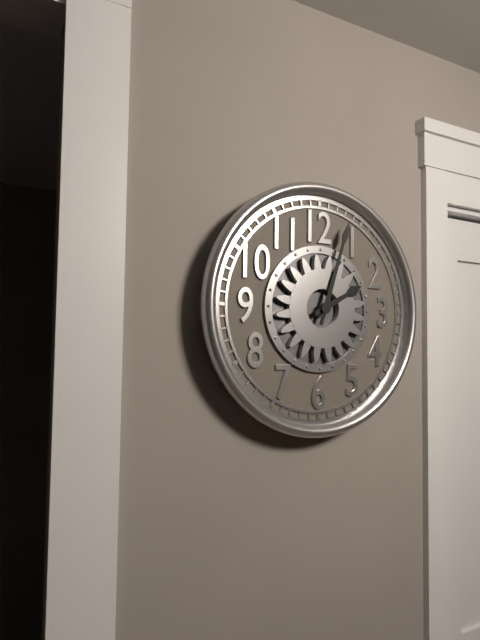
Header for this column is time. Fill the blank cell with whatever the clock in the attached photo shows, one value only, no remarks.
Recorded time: 2:03
